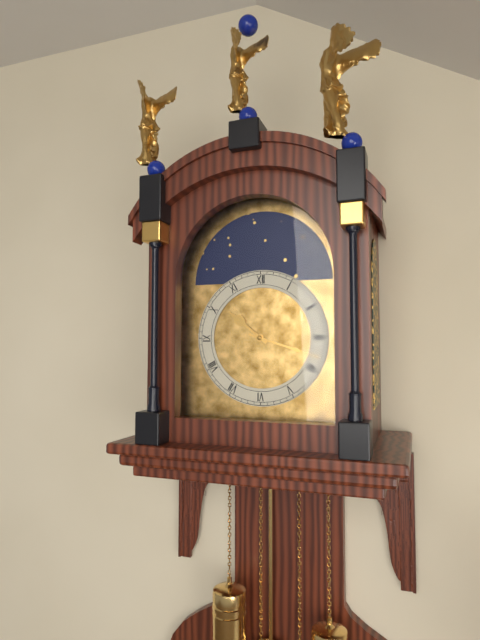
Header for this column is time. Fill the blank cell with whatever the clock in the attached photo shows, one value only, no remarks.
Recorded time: 10:18
